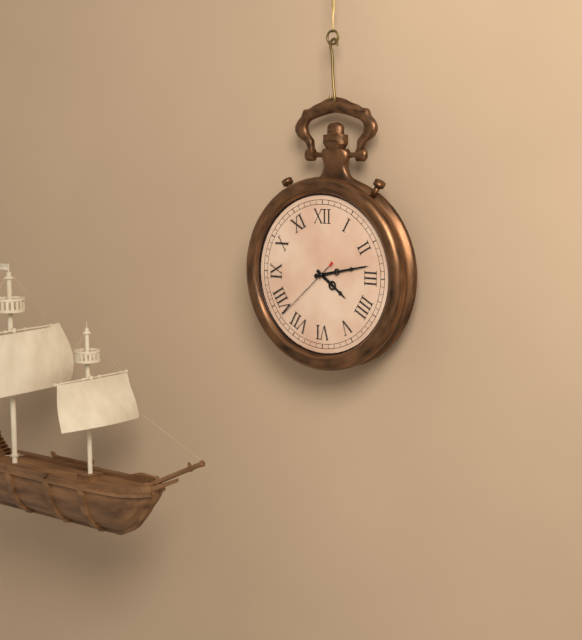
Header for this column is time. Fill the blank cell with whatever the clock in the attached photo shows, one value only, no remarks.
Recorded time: 4:13:38
